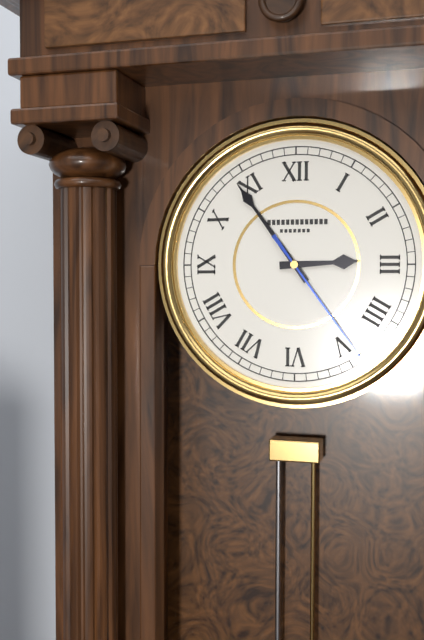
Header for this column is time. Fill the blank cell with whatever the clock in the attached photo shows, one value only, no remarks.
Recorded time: 2:54:24
